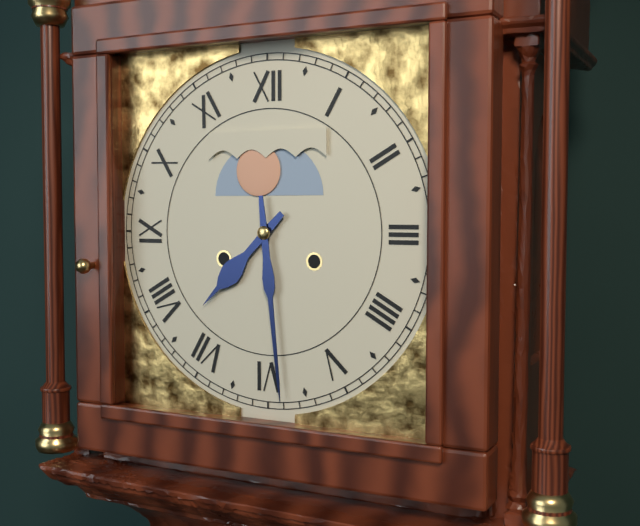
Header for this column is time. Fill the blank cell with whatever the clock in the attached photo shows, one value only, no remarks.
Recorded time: 7:29
